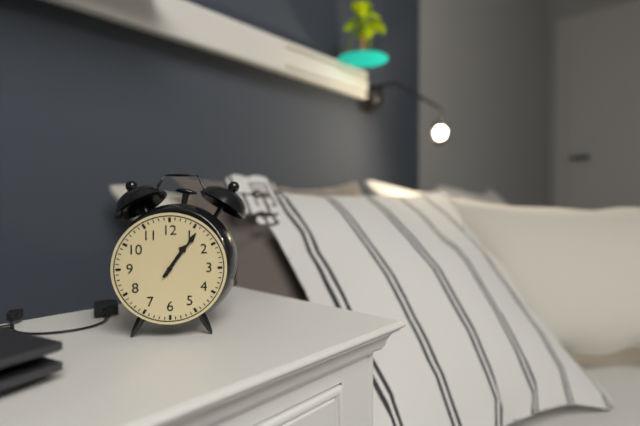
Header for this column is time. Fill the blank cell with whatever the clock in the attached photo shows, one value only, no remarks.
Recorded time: 1:06
